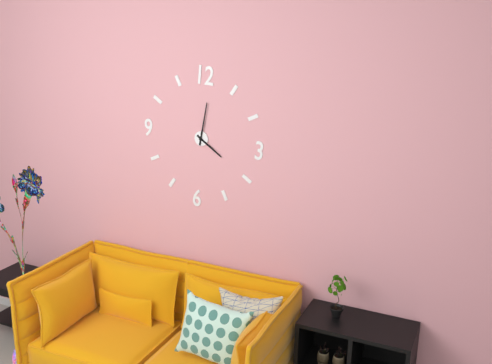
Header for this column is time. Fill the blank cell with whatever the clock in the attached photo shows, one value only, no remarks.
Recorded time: 4:01
